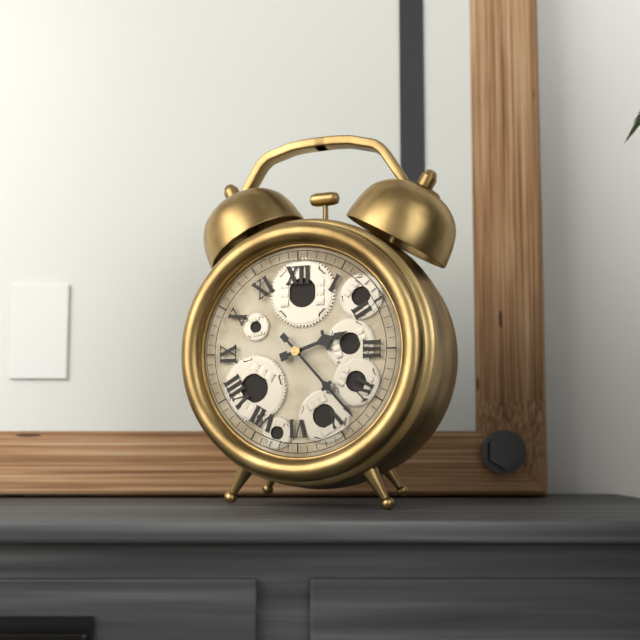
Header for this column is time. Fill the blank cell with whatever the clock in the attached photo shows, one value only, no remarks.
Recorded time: 2:23
